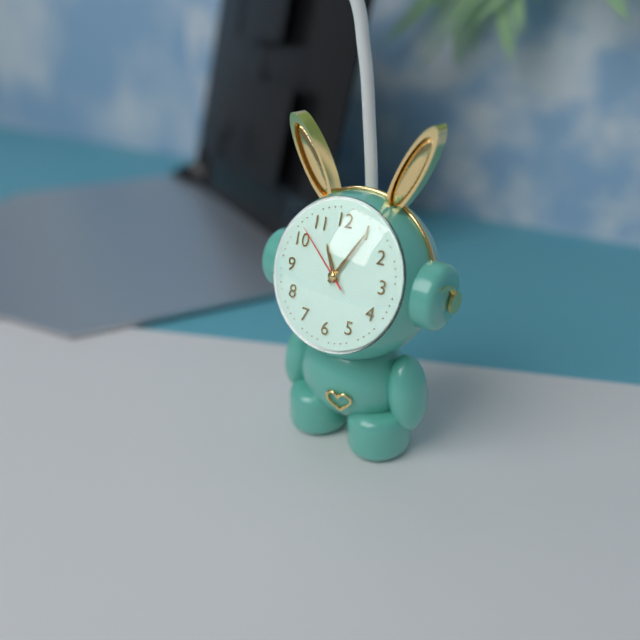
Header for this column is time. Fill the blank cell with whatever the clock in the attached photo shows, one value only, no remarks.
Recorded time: 11:05:52
